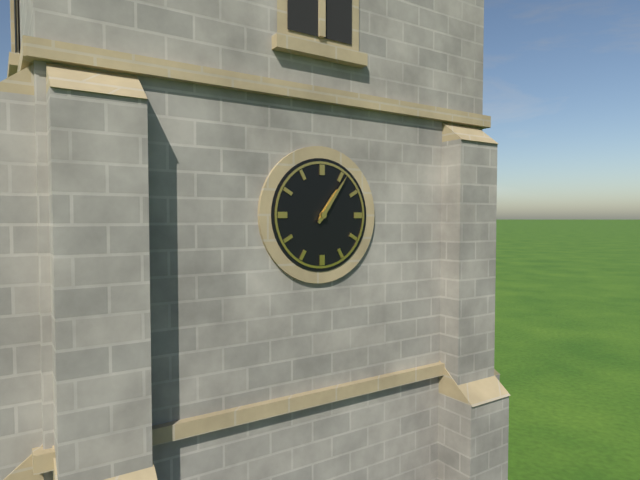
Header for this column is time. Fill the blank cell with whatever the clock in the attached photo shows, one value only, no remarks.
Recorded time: 1:06
